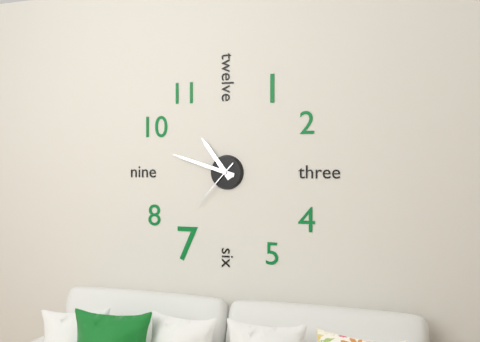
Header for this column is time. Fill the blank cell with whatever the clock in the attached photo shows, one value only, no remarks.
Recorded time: 10:48:37
